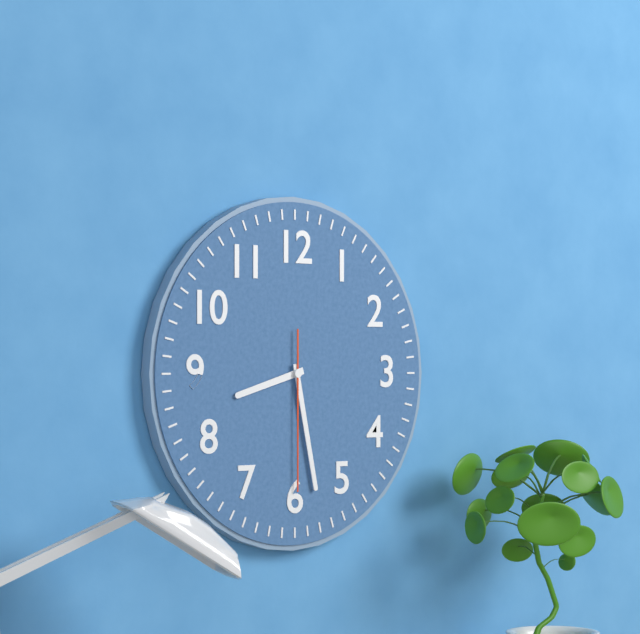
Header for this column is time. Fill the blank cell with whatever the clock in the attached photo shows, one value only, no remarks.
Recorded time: 8:28:30
